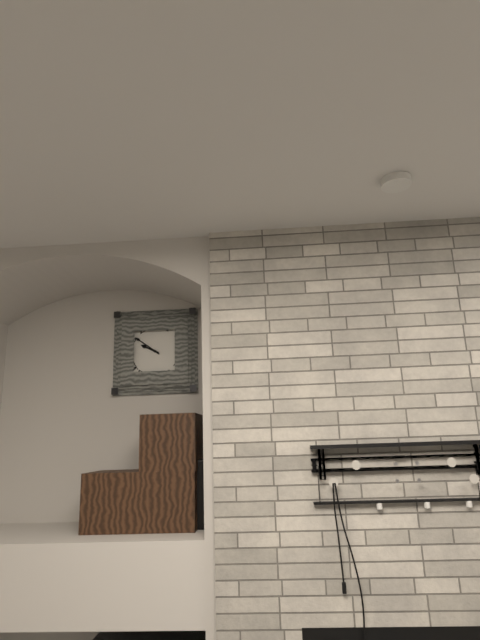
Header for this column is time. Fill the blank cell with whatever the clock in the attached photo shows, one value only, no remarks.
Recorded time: 9:51
